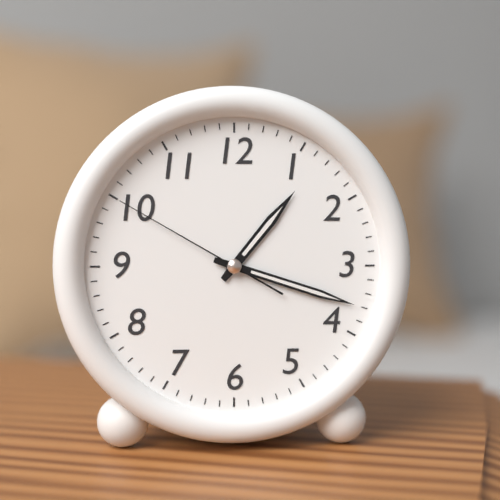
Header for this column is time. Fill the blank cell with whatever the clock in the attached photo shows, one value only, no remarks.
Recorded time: 1:18:50
